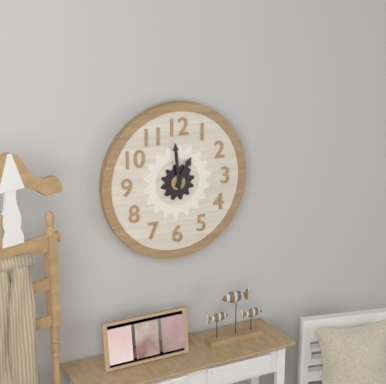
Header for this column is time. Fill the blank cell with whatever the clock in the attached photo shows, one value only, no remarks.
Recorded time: 12:59
